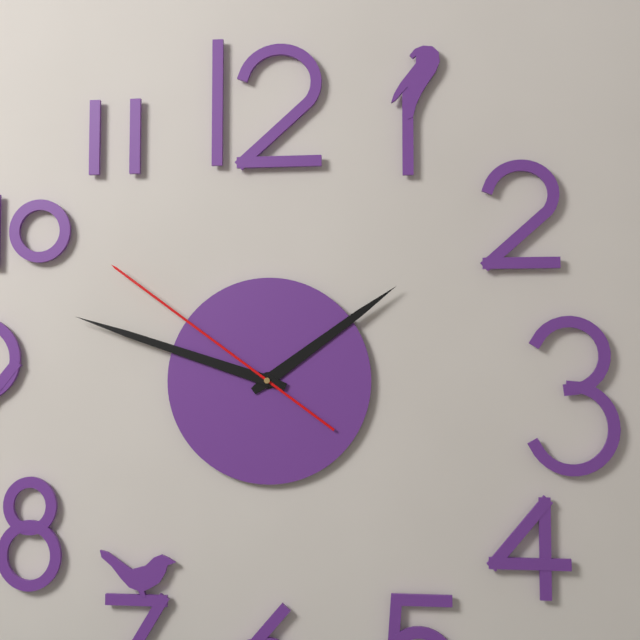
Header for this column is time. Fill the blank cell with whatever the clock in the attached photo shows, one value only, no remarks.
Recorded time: 1:48:51
